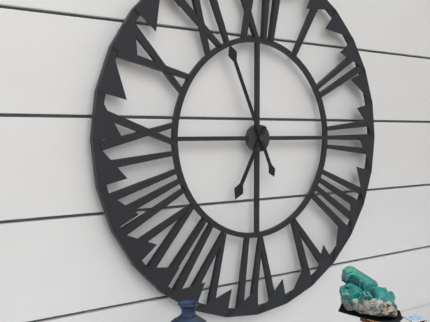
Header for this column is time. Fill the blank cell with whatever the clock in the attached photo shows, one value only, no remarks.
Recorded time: 6:56
